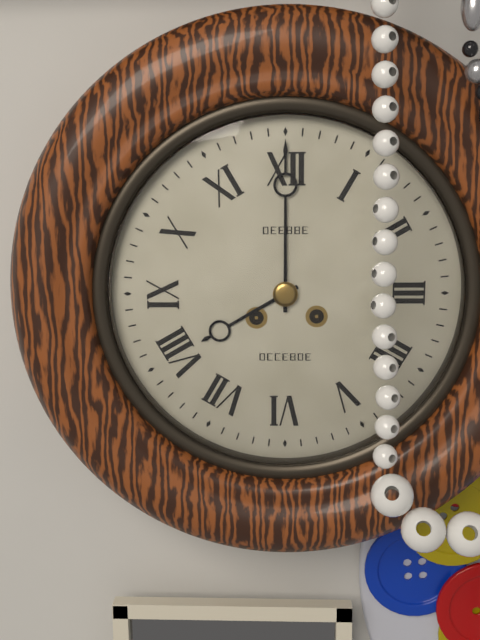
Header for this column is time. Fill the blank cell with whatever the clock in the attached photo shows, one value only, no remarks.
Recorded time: 8:00
